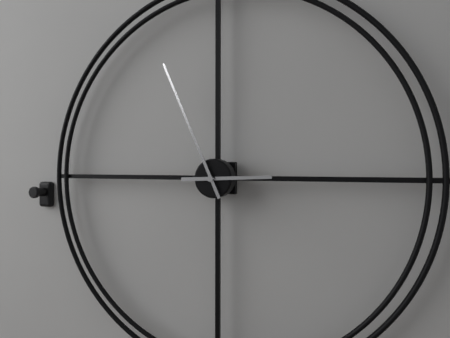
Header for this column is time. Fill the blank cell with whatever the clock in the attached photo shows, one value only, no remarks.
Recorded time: 2:56
